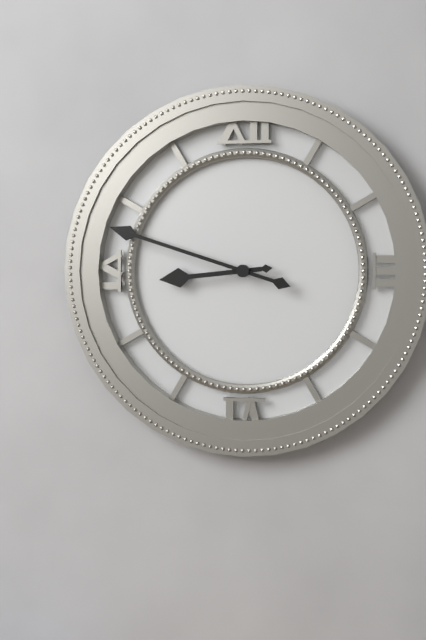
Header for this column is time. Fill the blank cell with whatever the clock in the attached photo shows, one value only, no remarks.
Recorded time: 8:48
